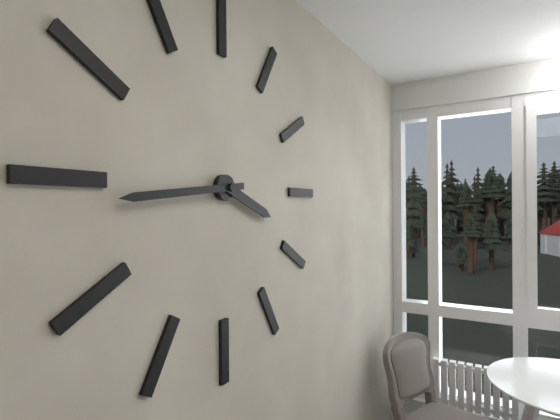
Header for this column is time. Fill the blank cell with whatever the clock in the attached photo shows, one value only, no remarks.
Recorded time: 3:44
